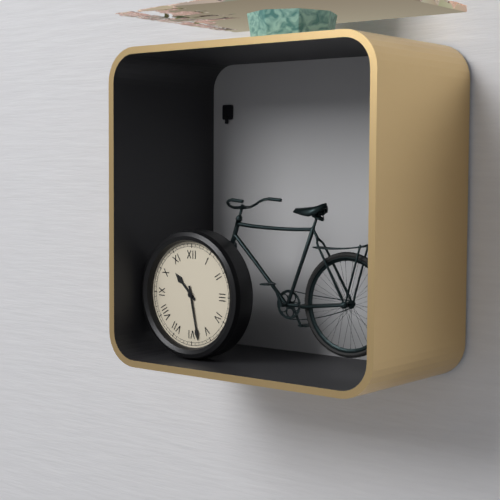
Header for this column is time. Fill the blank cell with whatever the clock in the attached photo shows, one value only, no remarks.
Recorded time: 10:28
